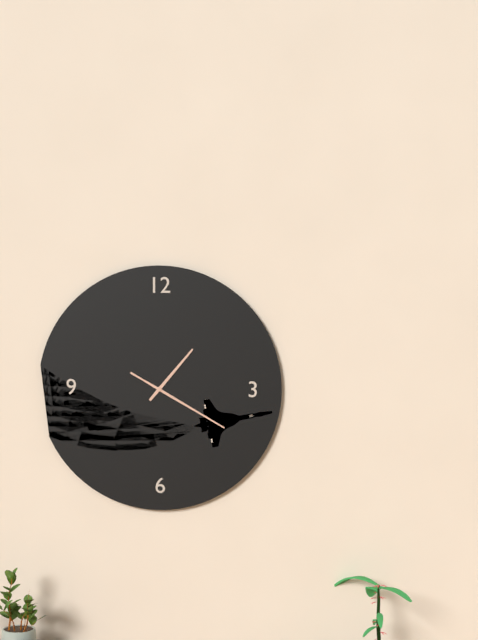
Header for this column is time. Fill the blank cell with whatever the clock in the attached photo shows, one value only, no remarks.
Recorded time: 1:20:20
